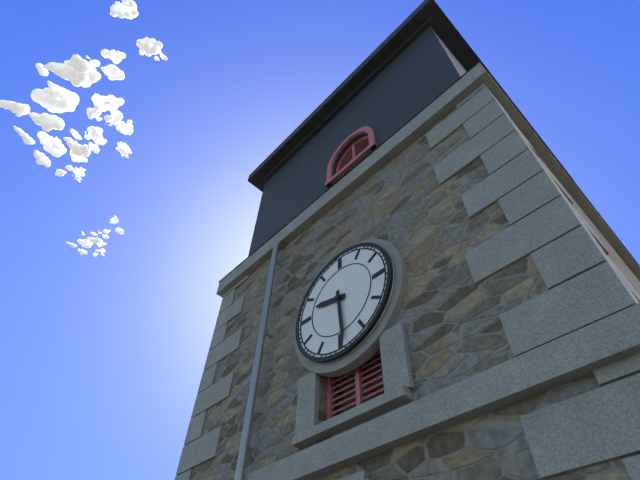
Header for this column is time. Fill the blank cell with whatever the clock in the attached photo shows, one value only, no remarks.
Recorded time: 9:29
